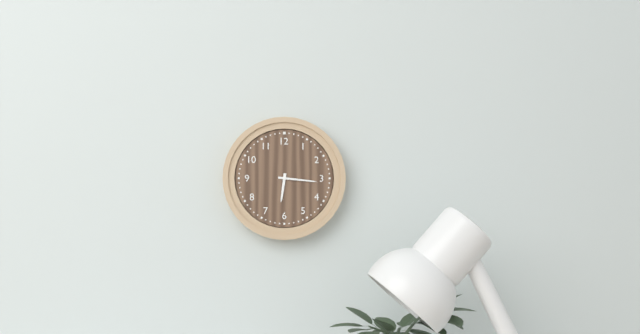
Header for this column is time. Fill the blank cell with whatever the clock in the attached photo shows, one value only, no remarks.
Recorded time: 6:16
